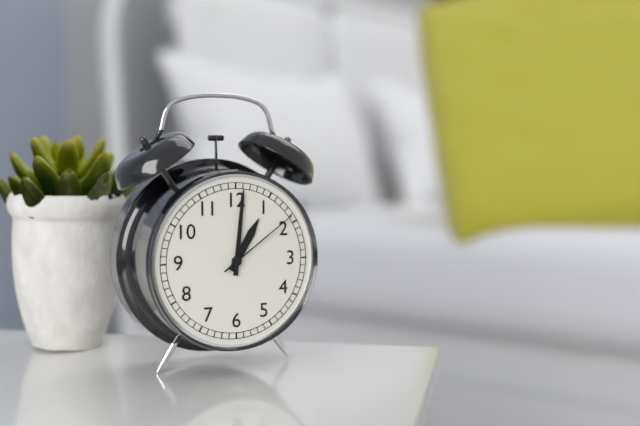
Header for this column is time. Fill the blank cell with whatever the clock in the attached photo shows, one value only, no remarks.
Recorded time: 1:01:09
